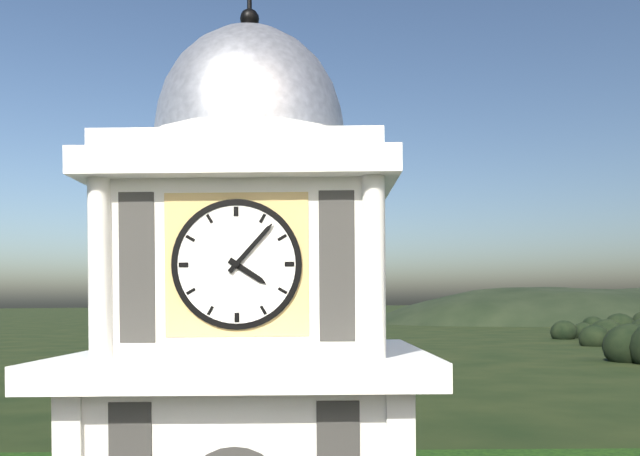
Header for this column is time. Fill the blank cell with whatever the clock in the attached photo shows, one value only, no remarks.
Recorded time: 4:07
